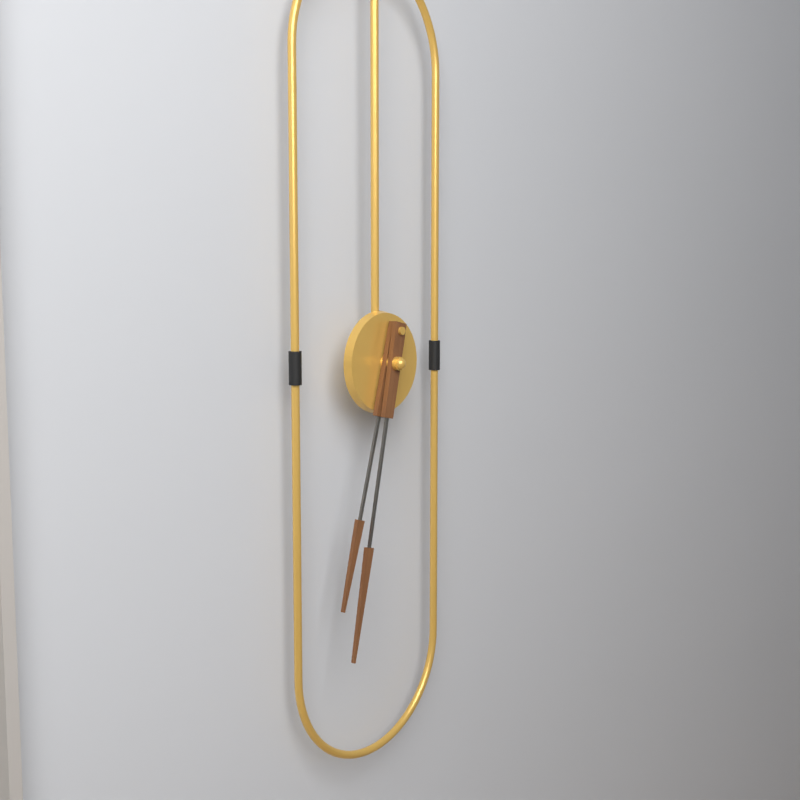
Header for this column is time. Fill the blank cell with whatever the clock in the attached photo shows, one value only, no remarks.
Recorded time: 6:32
